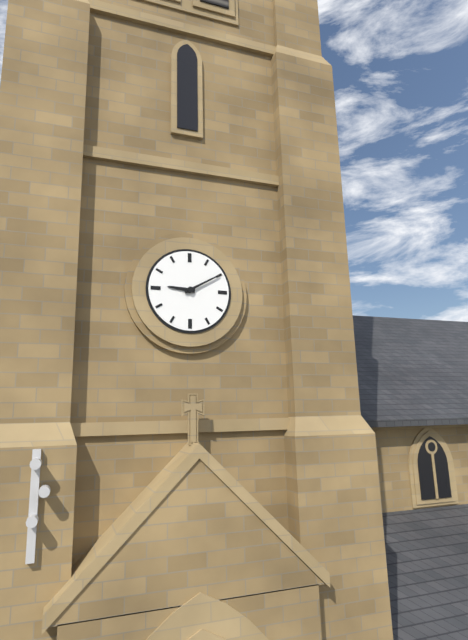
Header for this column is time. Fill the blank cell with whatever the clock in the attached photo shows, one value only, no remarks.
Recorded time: 9:10
